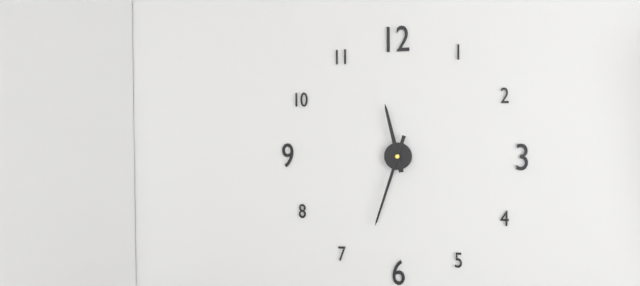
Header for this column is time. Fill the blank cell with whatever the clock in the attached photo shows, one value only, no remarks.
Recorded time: 11:33
